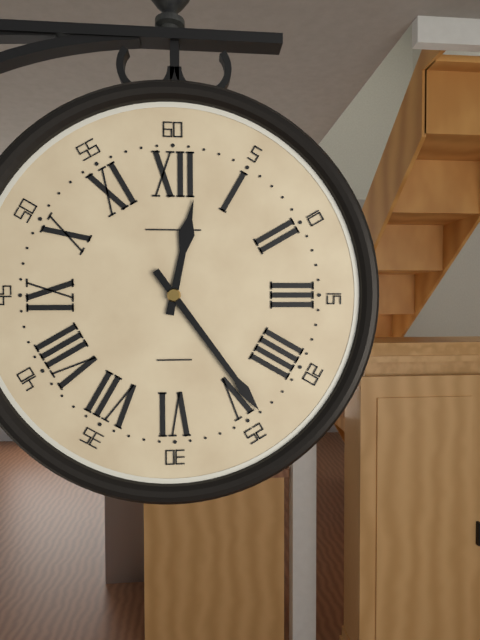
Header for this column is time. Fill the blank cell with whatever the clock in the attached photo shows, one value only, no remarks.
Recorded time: 12:24
